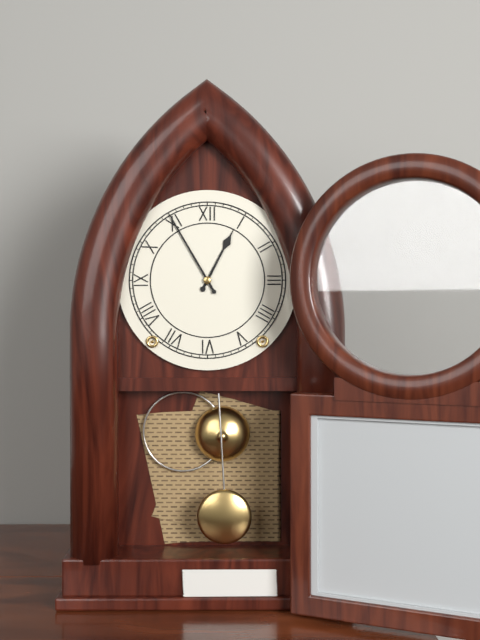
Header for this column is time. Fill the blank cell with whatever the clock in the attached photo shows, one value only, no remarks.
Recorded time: 12:55
